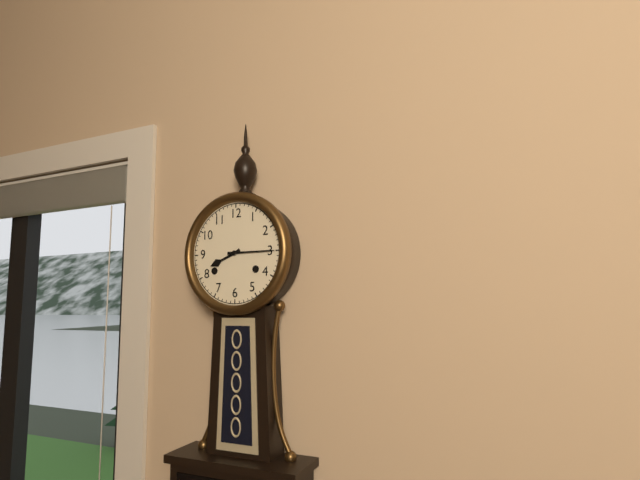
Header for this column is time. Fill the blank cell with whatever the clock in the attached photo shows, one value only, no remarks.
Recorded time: 8:15
